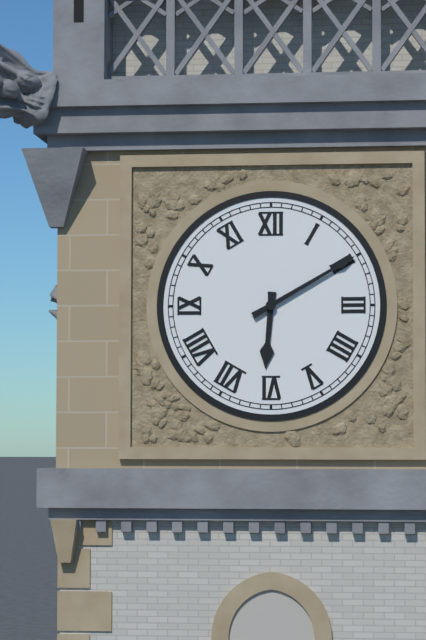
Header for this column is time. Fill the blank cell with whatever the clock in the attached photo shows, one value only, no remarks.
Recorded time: 6:10
